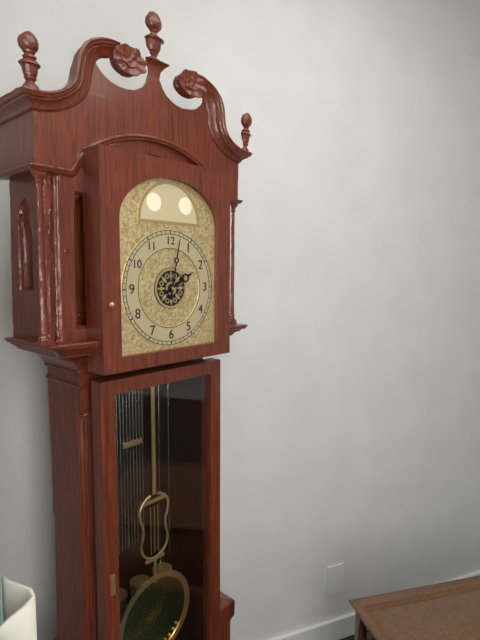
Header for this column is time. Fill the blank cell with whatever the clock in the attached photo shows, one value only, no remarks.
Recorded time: 2:02
